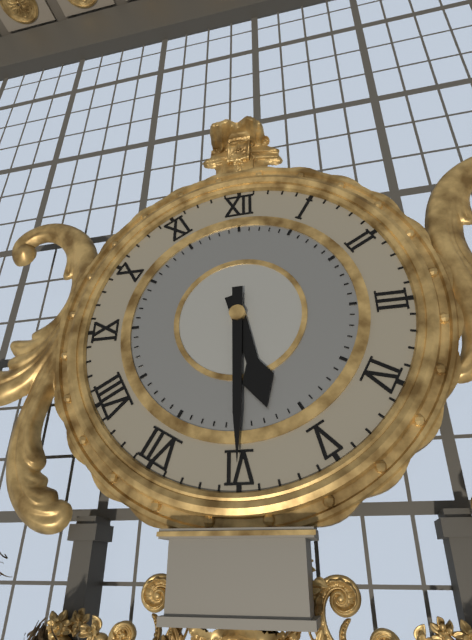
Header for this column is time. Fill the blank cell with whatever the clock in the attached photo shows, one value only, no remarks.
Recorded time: 5:30
